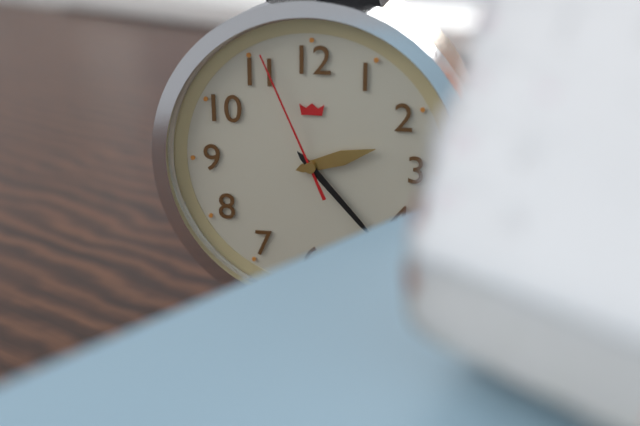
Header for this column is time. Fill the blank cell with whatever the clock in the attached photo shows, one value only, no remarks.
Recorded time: 2:23:56
